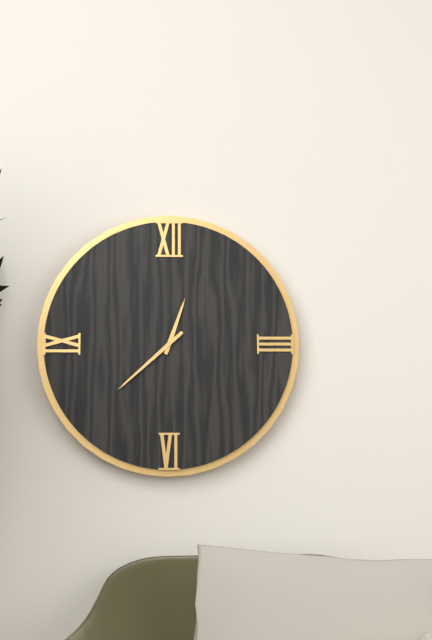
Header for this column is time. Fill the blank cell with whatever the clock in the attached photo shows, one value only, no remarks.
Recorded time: 12:38
